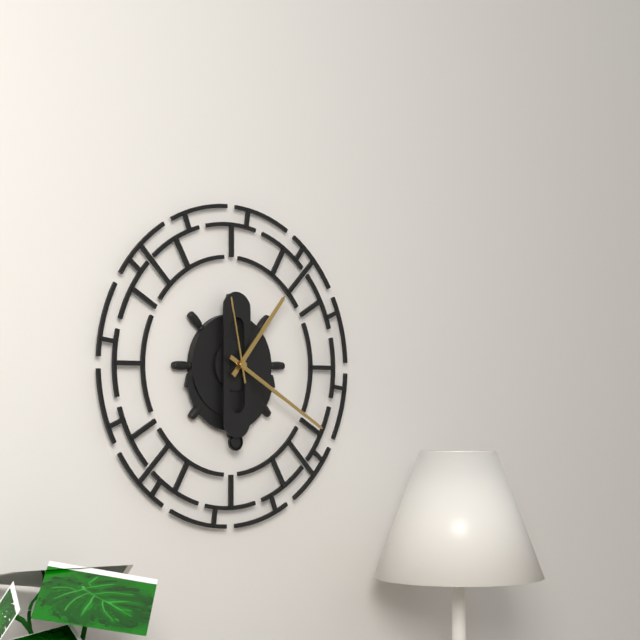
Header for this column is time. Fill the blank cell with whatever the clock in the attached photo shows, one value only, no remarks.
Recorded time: 1:20:58
